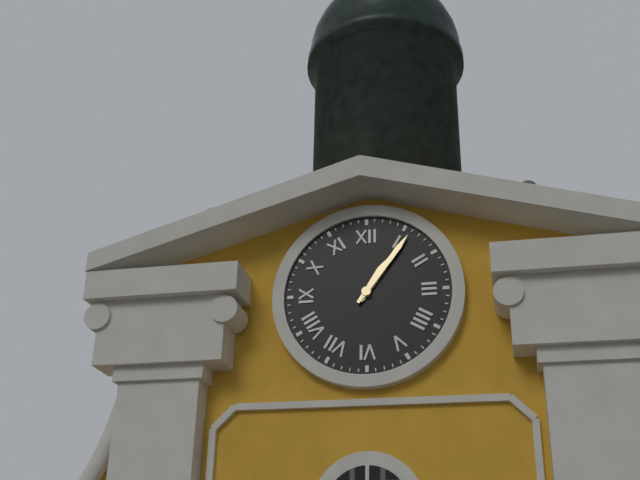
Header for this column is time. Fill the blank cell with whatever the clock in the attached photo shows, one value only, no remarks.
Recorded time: 1:06
